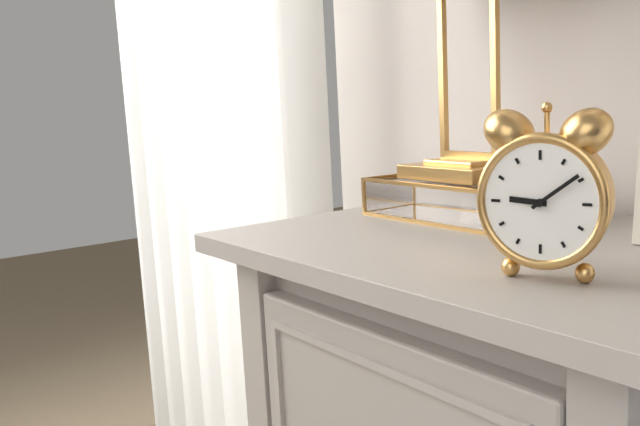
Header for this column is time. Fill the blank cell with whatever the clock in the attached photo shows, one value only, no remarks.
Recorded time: 9:09
